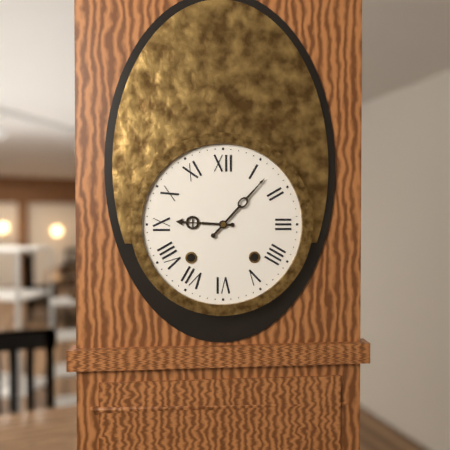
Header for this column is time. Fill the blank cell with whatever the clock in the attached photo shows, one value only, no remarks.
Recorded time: 9:07
